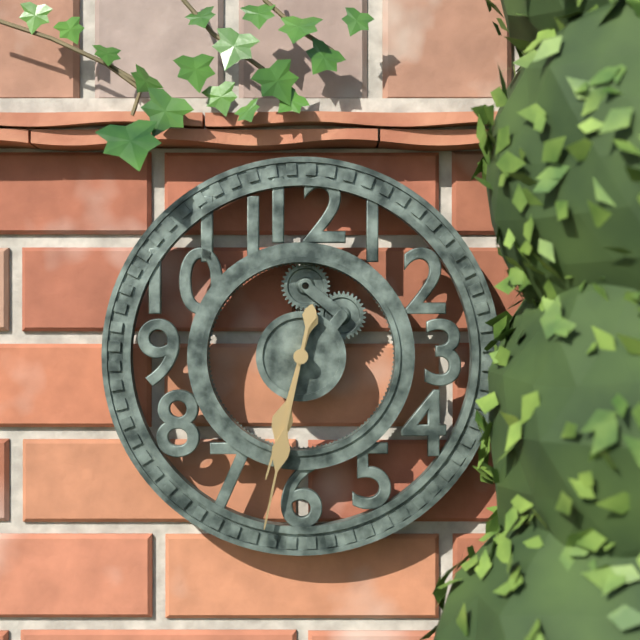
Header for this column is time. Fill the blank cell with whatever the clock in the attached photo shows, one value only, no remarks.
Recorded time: 6:32
